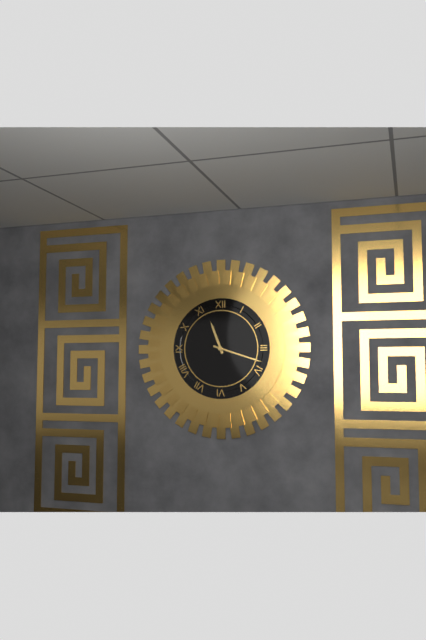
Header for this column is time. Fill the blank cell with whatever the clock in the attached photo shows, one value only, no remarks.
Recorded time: 11:18
